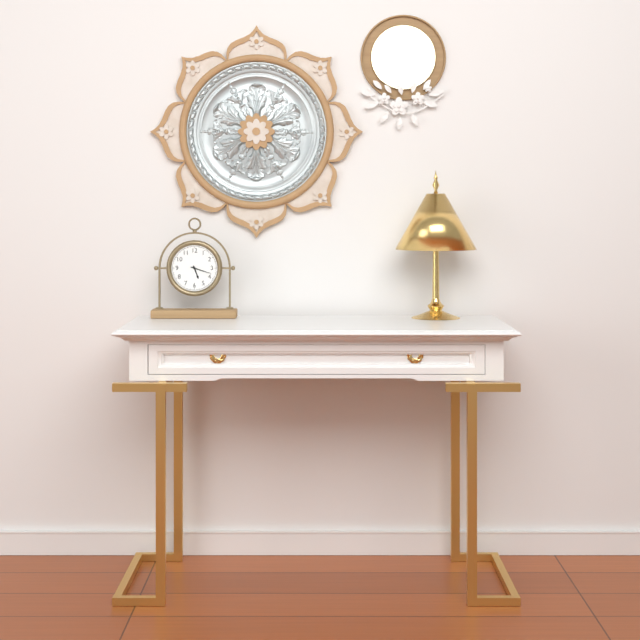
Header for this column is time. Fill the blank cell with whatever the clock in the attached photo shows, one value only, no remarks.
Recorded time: 5:18
